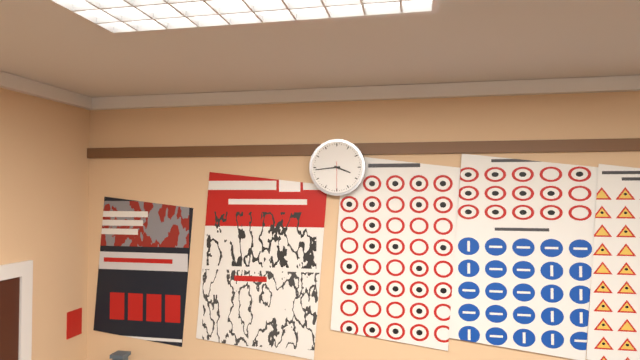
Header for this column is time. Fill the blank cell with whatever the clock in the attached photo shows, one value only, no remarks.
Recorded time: 3:44
